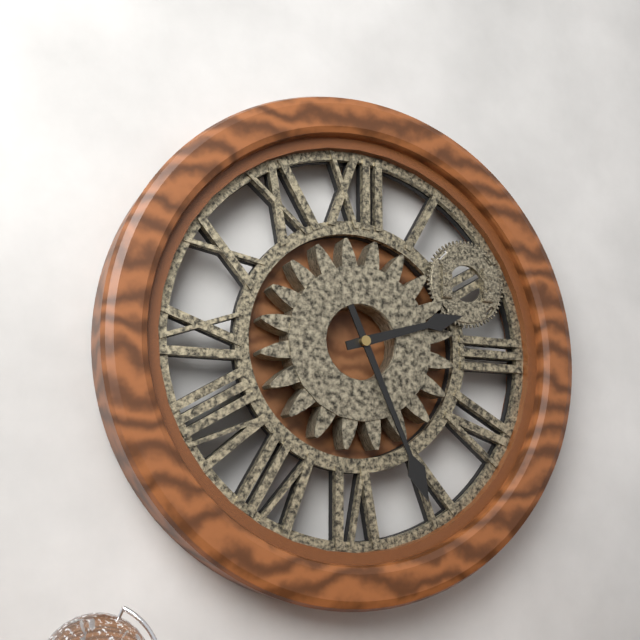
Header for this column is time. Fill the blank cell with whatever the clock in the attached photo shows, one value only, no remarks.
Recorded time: 2:26
